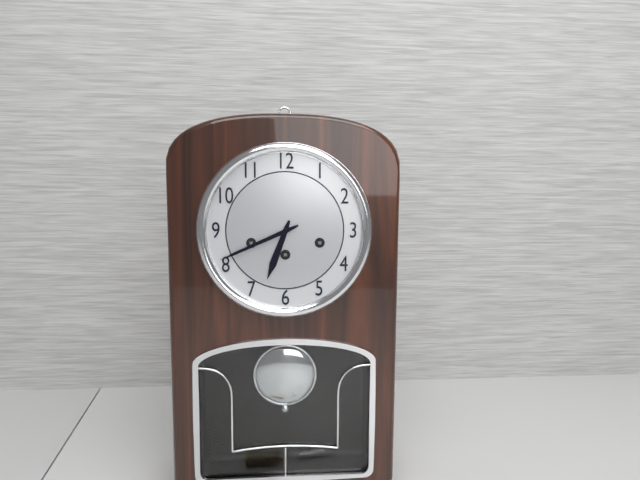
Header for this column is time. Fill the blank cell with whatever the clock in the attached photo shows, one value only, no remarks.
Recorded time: 6:41
